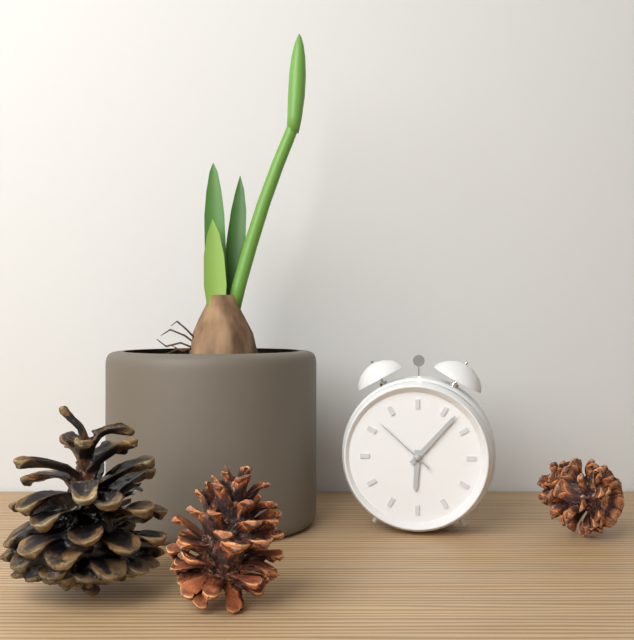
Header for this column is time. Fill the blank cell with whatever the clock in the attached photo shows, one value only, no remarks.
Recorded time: 6:07:52
